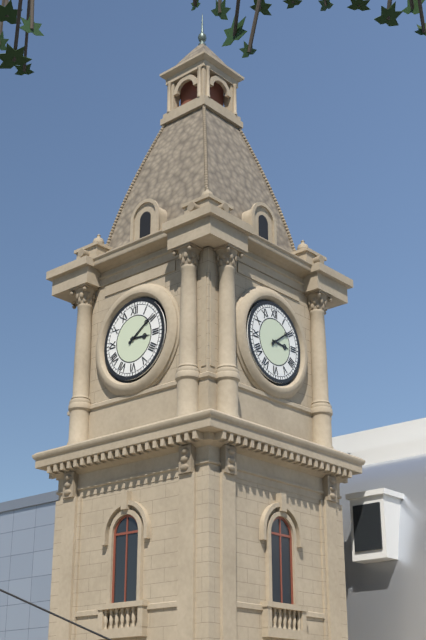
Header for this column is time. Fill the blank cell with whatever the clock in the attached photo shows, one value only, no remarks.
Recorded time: 3:09
